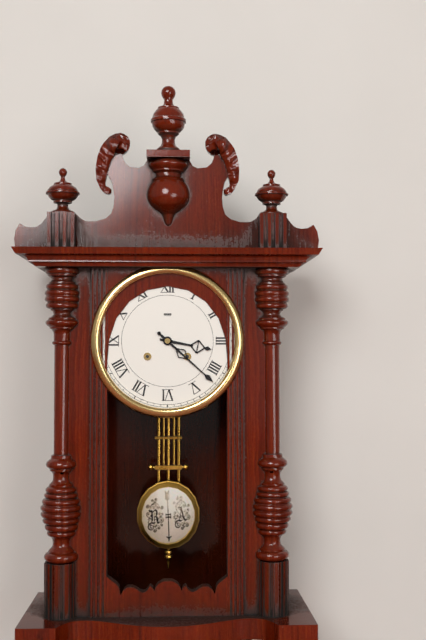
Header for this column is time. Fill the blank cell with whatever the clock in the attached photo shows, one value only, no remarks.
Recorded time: 3:22
